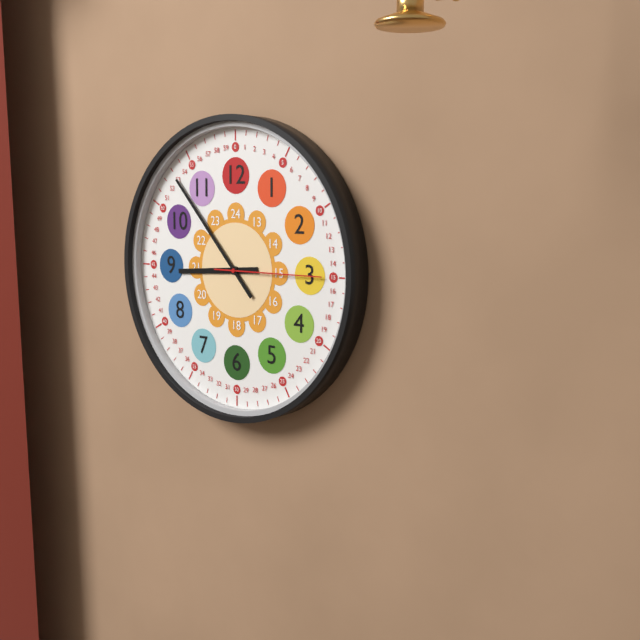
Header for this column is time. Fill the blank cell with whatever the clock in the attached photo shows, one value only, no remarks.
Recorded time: 8:53:15
